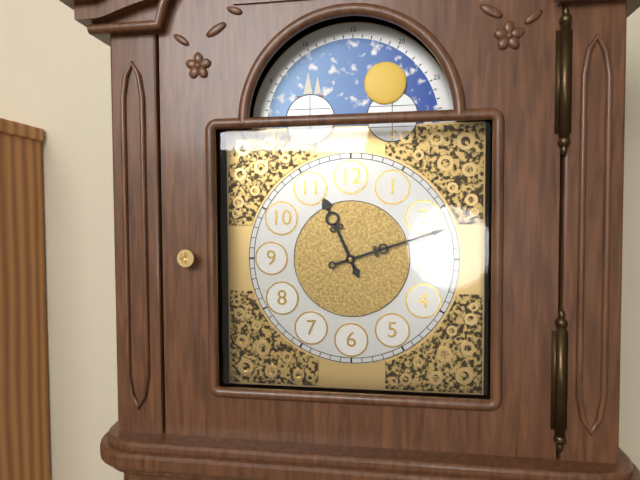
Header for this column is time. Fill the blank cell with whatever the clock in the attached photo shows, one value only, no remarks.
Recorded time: 11:12
